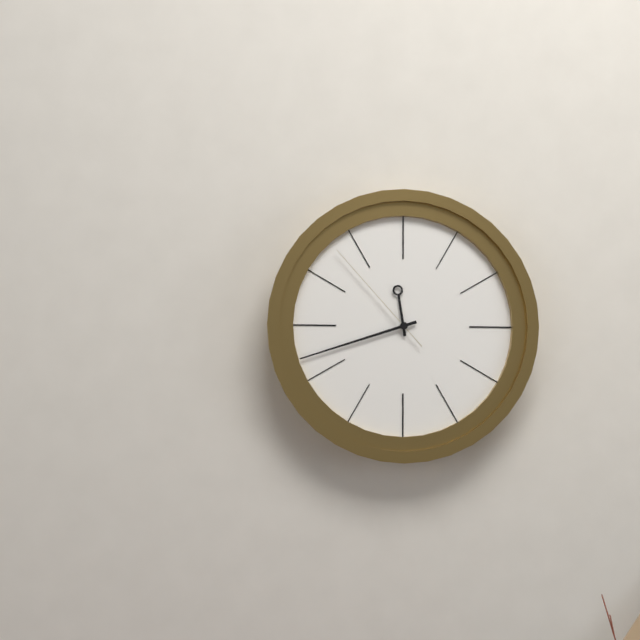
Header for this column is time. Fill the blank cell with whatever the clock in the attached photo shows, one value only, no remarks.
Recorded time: 11:42:53
